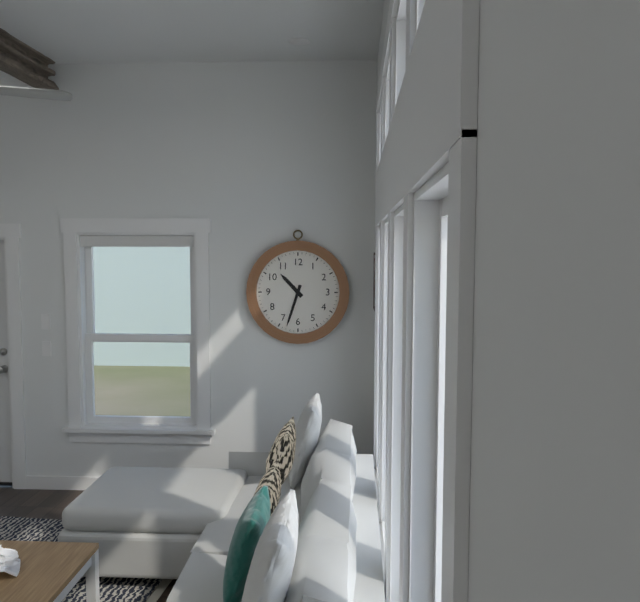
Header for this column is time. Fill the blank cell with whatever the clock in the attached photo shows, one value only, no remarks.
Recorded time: 10:33
